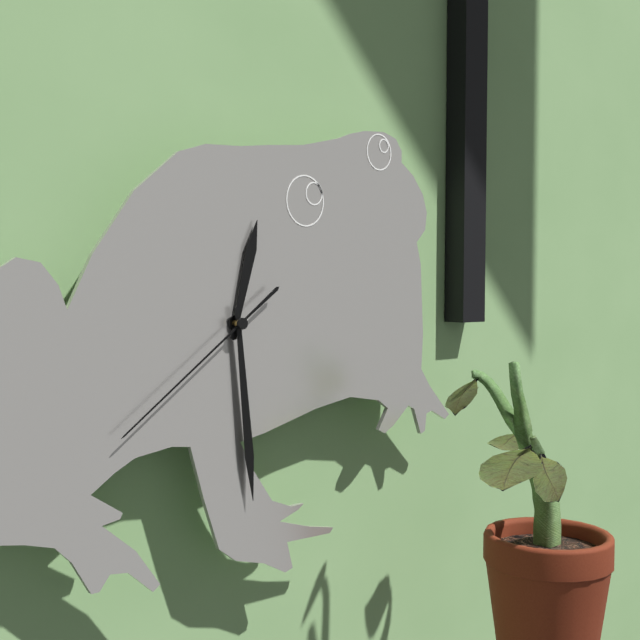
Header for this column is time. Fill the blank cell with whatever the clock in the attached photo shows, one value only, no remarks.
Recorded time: 12:29:39
